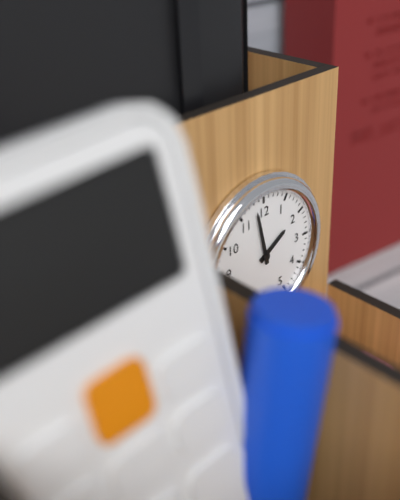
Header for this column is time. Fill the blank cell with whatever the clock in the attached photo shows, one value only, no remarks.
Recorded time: 1:58
